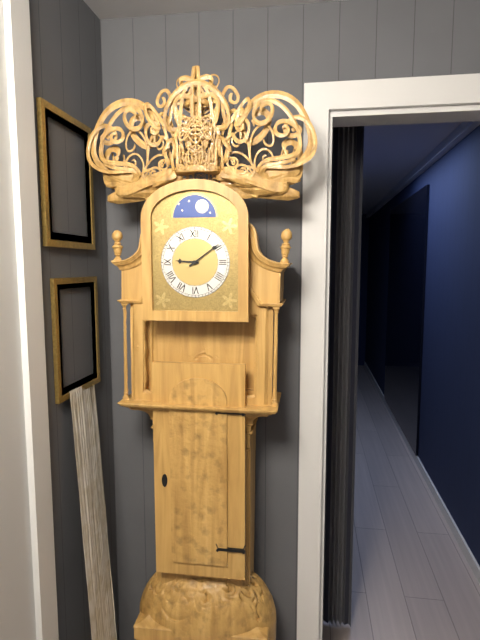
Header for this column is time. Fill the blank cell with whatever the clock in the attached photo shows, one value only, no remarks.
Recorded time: 9:09
